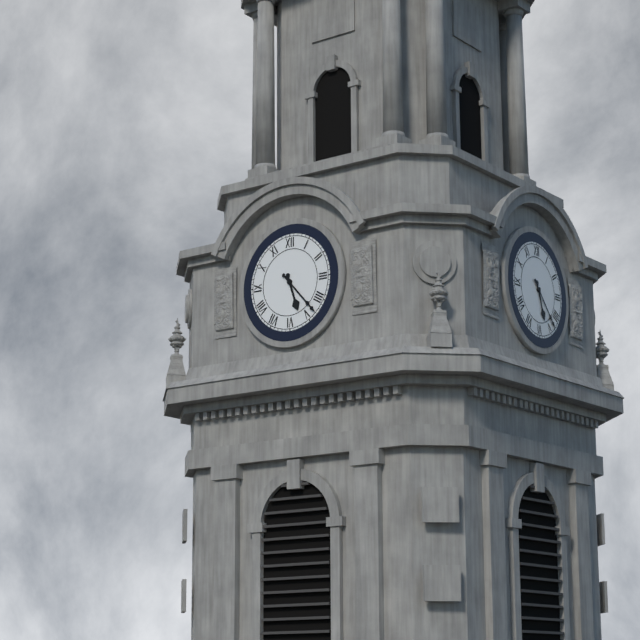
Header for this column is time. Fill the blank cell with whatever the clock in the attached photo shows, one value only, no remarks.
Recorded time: 5:23
